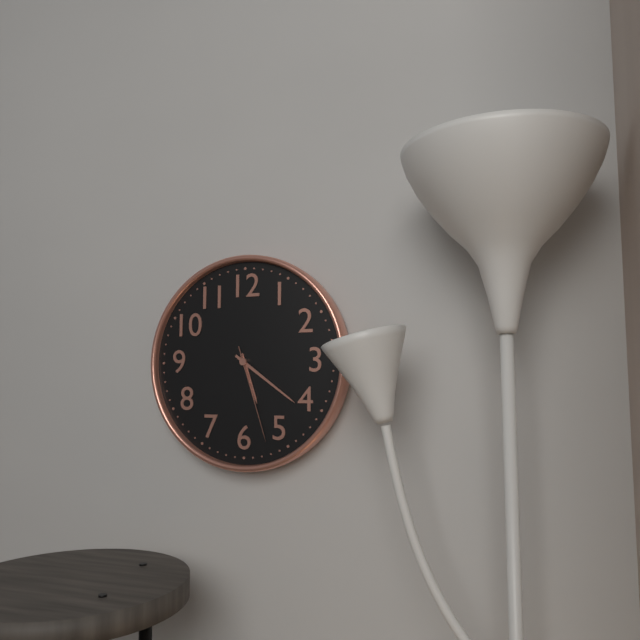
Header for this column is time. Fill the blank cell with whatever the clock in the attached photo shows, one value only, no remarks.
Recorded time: 5:21:27
